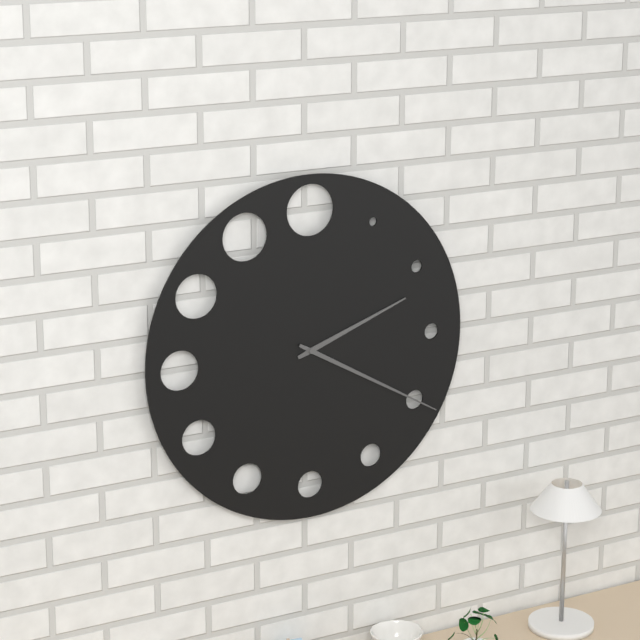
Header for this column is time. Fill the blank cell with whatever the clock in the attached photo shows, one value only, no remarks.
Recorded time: 2:20
